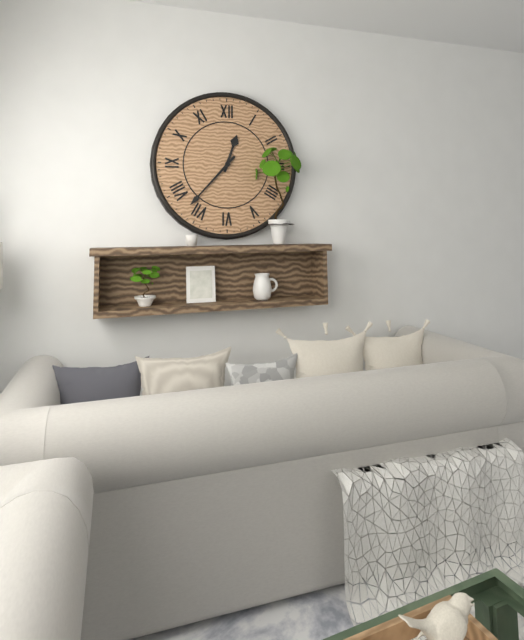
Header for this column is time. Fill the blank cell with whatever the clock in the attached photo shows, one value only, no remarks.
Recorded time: 12:37
